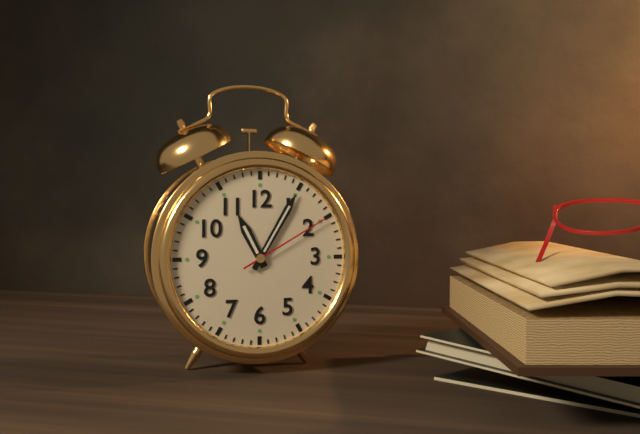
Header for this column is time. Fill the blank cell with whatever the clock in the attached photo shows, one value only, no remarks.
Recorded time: 11:05:10
